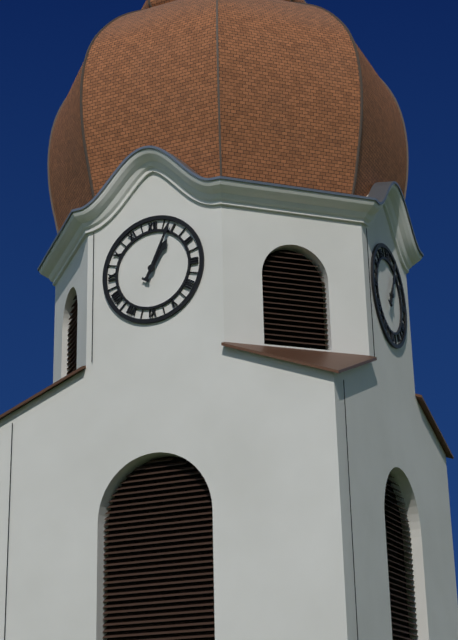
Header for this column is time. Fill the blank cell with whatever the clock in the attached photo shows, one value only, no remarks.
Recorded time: 1:04
